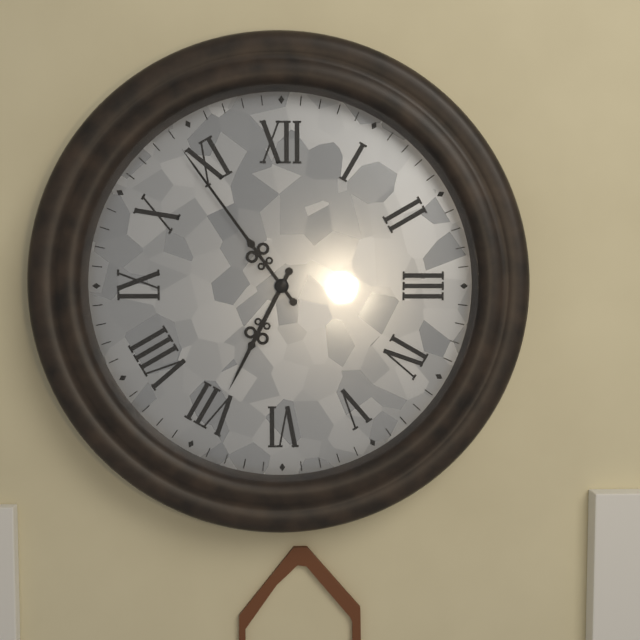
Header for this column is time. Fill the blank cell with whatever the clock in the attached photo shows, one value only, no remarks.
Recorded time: 6:54
